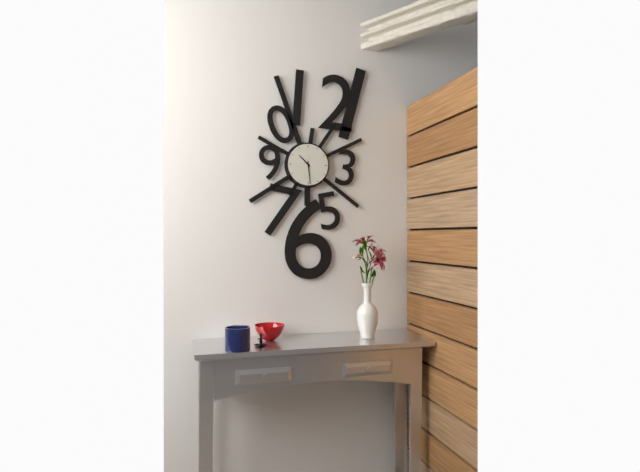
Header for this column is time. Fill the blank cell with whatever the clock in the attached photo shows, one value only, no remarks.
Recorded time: 10:29
